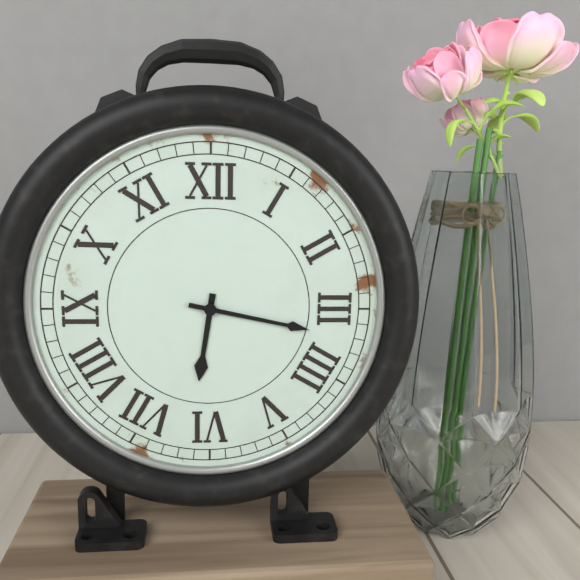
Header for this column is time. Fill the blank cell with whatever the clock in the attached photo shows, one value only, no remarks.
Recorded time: 6:17
